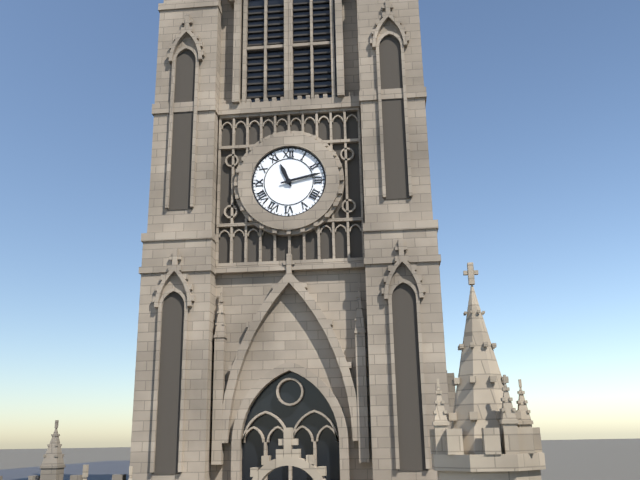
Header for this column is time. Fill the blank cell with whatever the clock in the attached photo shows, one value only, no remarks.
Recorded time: 11:13
